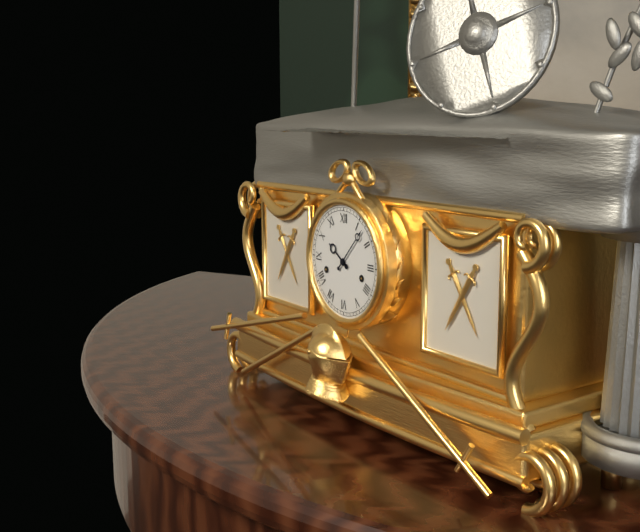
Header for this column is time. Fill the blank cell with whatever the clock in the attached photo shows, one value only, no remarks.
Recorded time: 10:07
